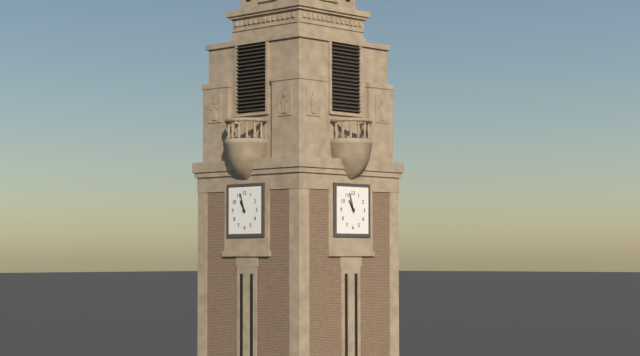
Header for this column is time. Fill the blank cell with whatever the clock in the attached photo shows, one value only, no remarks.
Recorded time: 10:57
